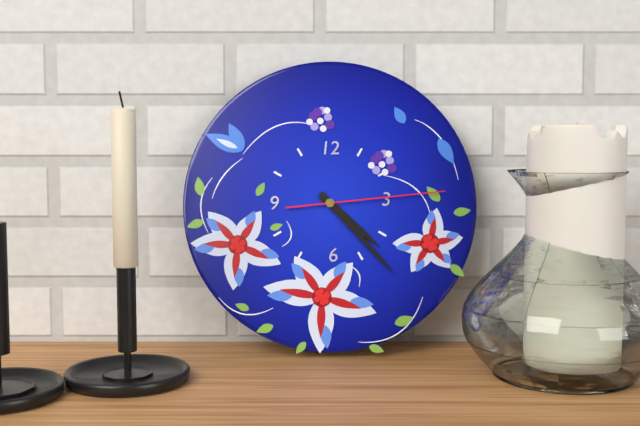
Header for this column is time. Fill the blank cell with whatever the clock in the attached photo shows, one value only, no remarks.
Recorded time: 4:23:14
